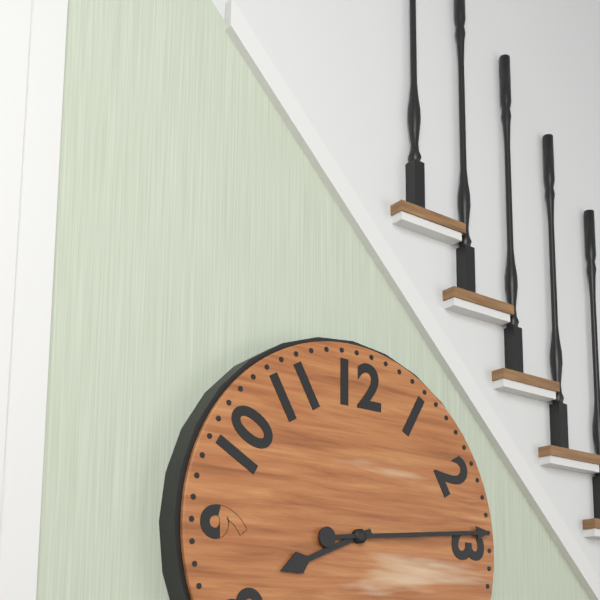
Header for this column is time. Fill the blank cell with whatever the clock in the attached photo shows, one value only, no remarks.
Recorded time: 8:14
